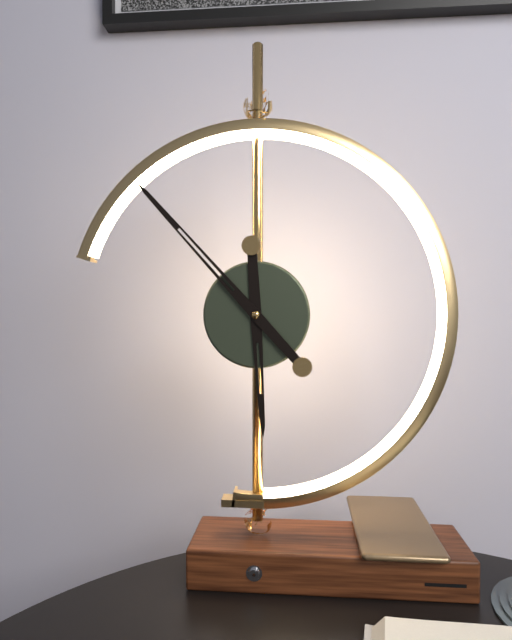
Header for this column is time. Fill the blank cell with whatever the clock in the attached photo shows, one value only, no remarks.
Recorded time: 5:53
